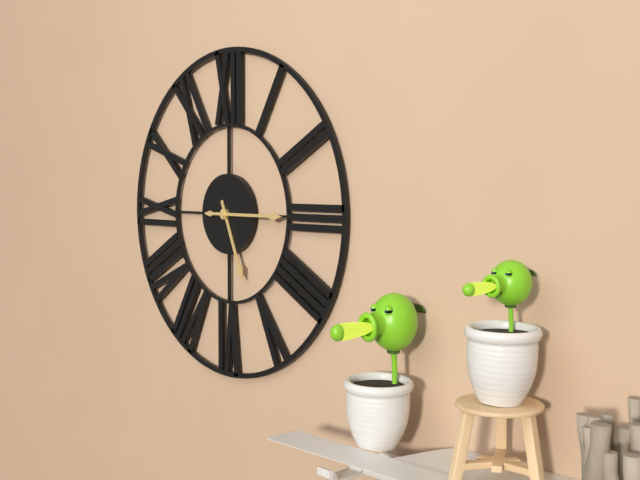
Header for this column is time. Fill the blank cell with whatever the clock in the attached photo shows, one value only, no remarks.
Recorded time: 5:15
